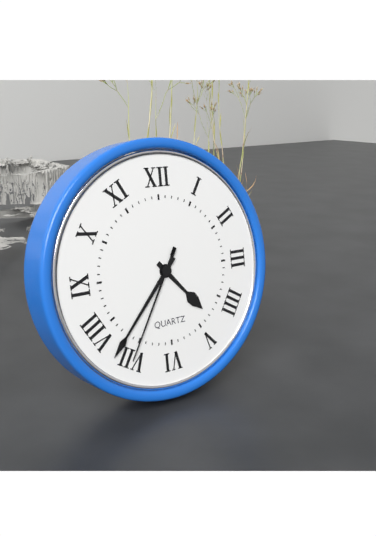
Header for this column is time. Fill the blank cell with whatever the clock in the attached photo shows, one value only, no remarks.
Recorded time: 4:37:35
